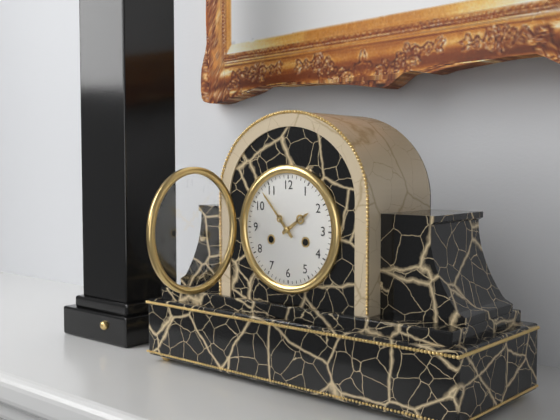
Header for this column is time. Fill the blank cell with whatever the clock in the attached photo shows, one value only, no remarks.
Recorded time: 1:53
